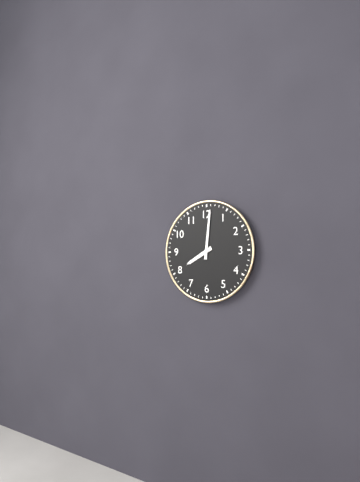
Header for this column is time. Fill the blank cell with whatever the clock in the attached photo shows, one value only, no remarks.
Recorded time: 8:01
